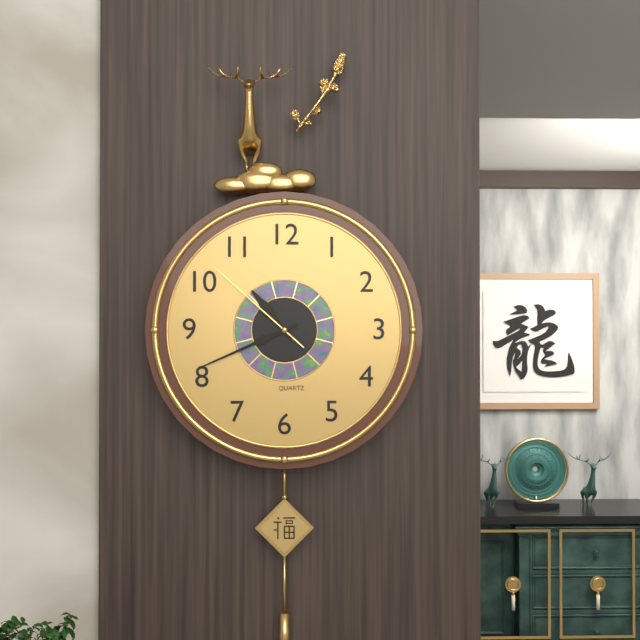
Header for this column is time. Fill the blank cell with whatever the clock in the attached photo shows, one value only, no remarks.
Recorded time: 10:41:52
